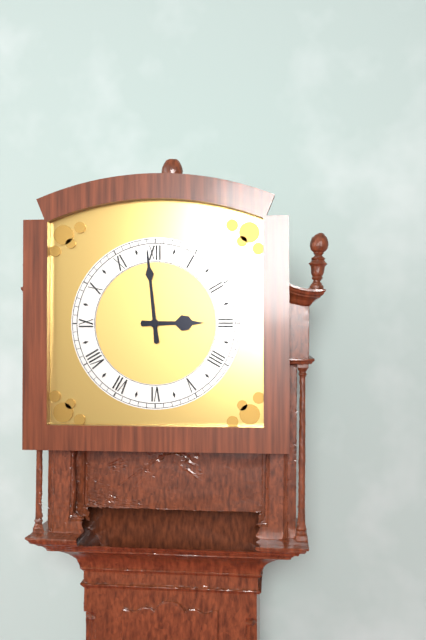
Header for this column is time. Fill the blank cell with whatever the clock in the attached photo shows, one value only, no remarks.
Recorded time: 2:59
